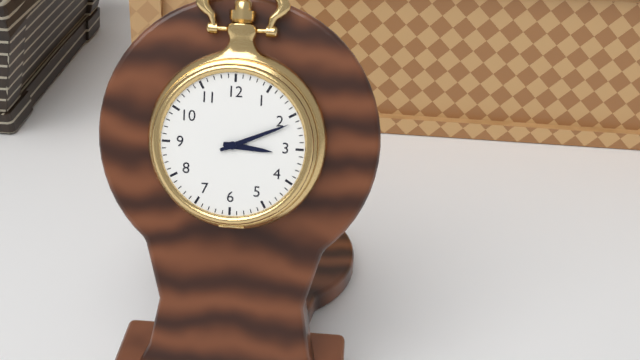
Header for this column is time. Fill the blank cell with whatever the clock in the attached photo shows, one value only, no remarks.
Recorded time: 3:11
